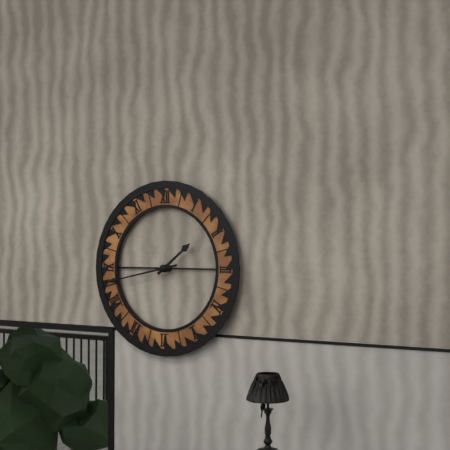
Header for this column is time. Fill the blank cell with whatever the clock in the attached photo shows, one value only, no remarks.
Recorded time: 1:43
